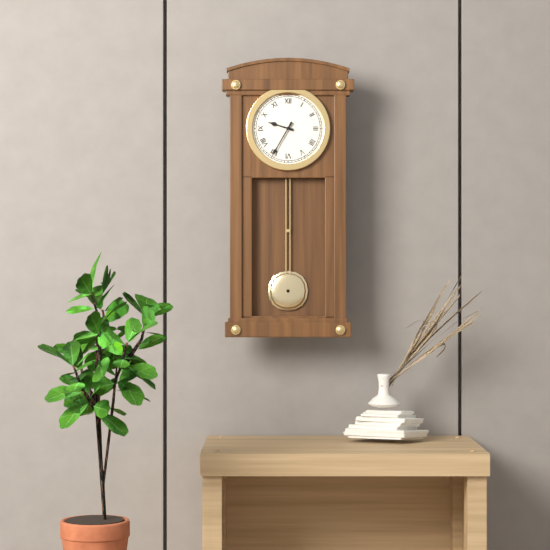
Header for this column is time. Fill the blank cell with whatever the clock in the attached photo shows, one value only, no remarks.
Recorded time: 9:35
